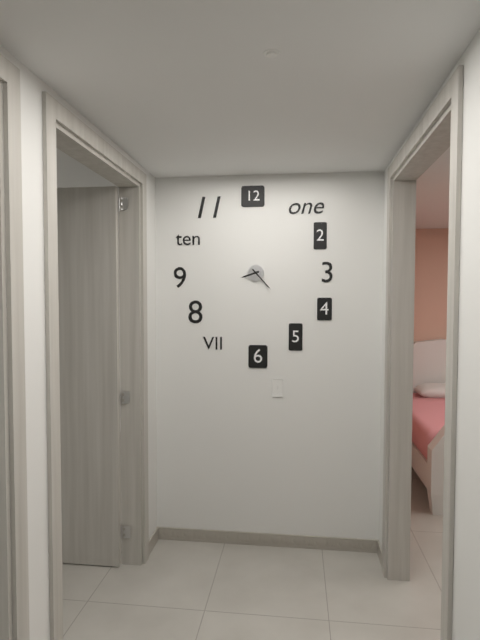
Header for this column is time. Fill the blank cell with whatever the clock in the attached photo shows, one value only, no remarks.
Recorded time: 8:23
